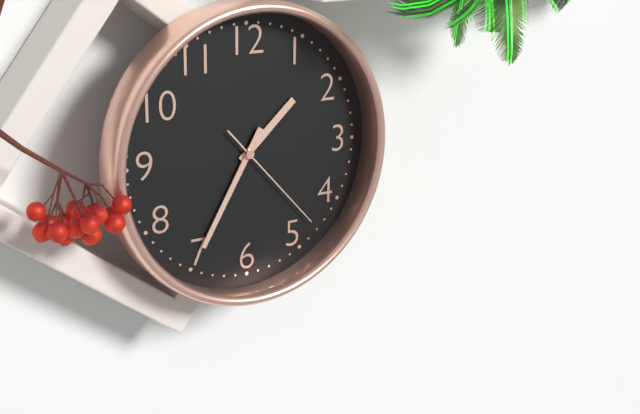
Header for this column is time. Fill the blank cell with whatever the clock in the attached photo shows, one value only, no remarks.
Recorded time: 1:35:23
